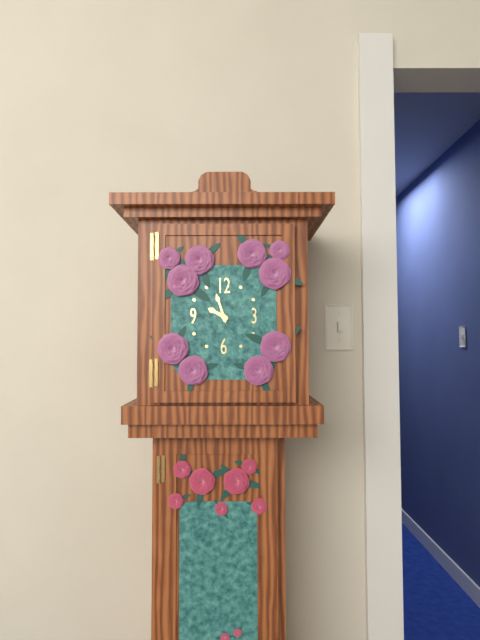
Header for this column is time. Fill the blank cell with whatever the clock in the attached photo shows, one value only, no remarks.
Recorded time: 9:57
